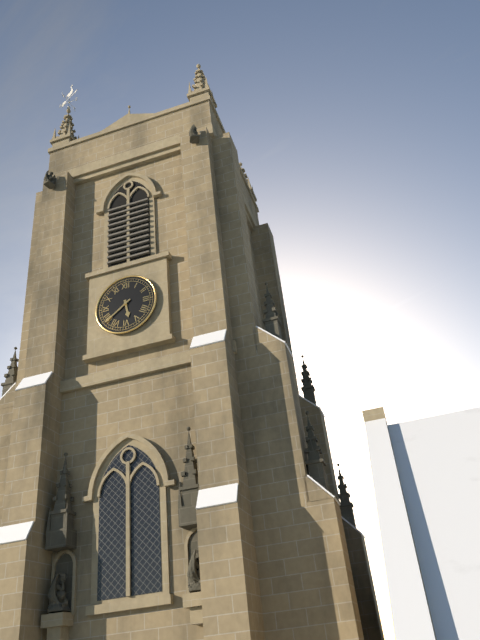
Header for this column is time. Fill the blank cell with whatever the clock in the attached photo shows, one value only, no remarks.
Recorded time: 5:39
